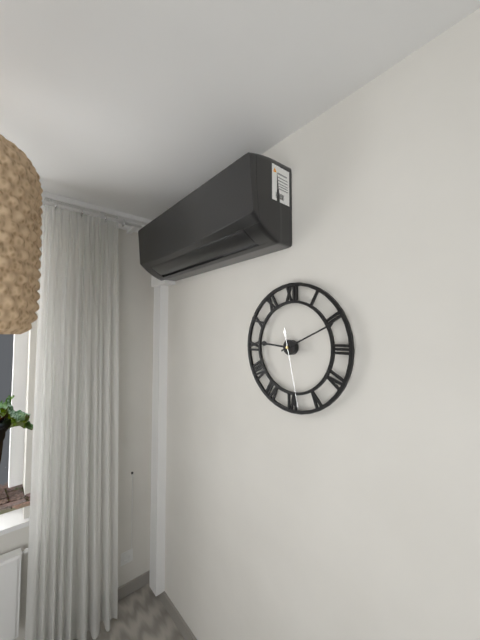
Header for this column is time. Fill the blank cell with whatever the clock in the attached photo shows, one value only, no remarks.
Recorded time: 9:11:28
